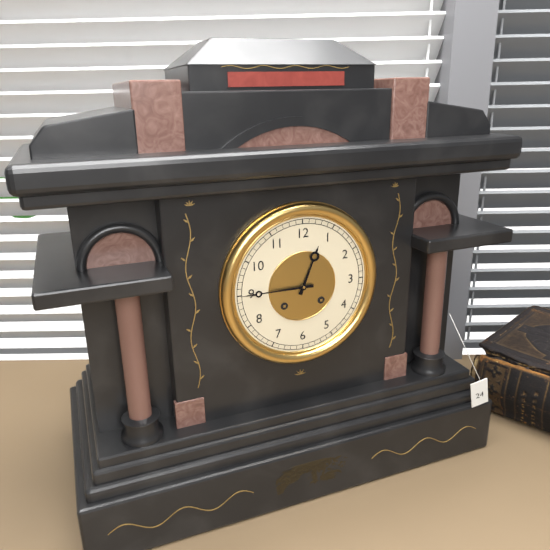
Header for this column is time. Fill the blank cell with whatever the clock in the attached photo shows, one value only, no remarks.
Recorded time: 12:45
